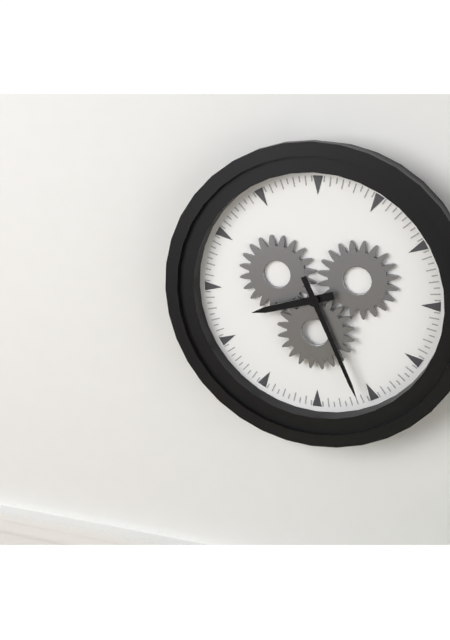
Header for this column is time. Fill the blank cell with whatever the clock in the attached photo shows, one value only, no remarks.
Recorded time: 8:26
